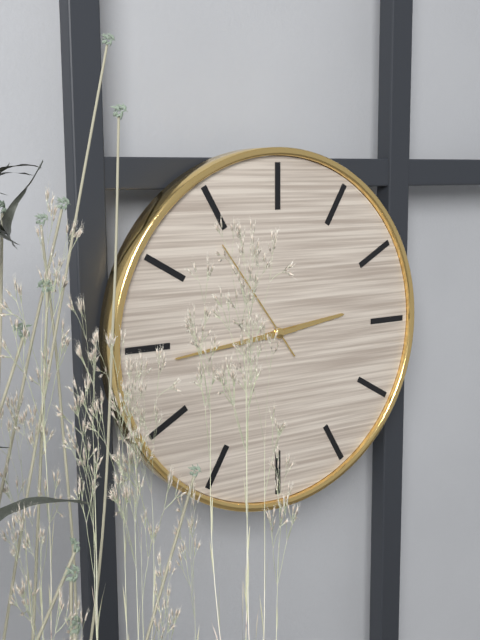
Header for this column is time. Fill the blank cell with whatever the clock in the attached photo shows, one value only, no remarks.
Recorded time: 2:44:54
